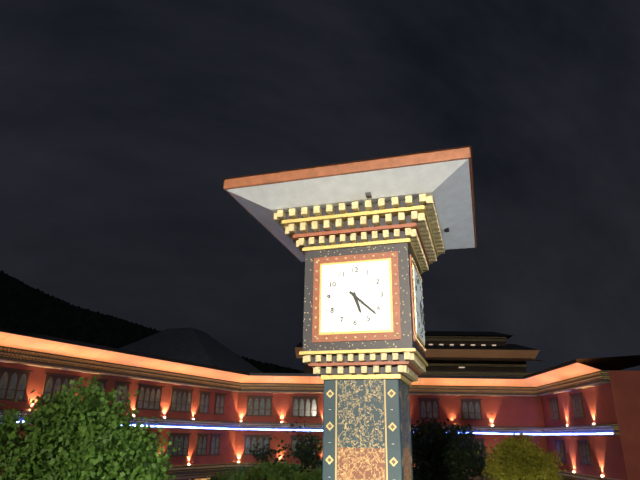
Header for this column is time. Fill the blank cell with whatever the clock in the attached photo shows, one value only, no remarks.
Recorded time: 5:22
